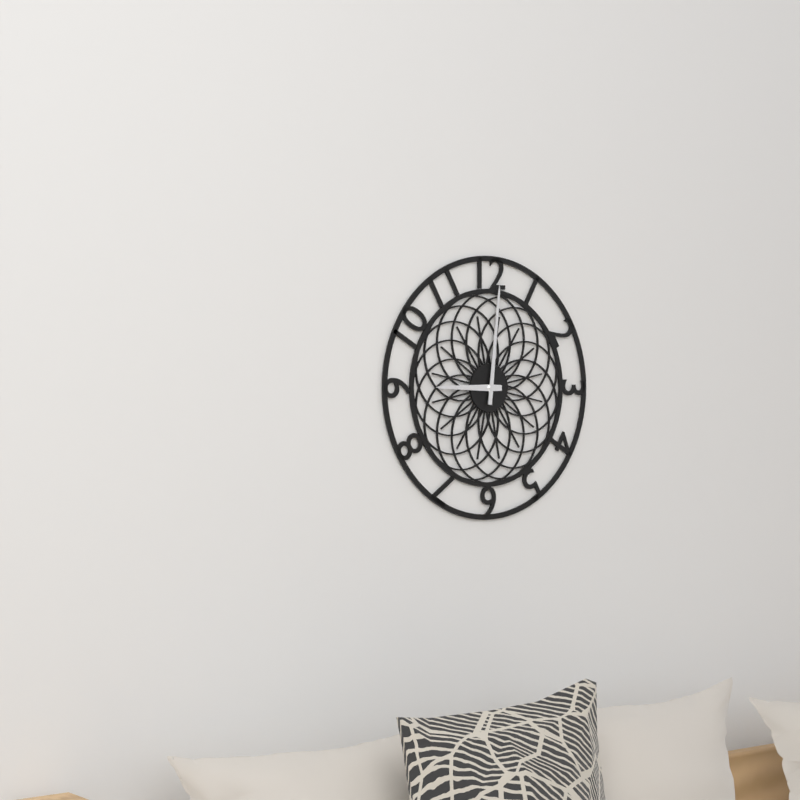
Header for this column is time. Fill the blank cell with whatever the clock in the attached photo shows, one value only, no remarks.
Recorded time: 9:01
